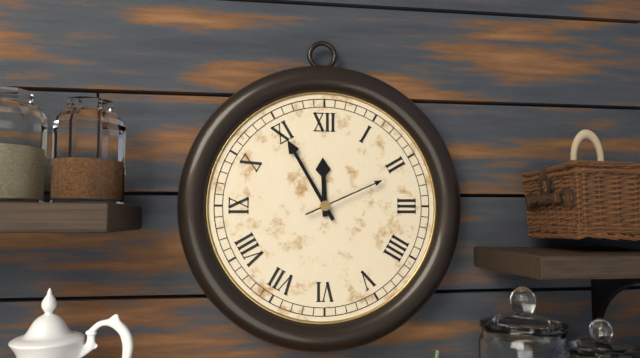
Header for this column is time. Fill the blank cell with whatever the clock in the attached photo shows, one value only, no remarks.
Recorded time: 11:55:11
